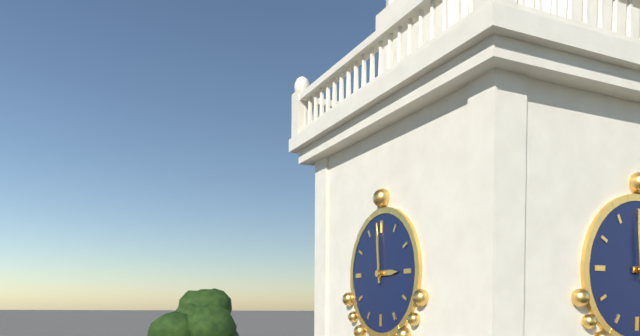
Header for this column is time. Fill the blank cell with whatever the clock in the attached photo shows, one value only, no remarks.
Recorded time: 2:59
